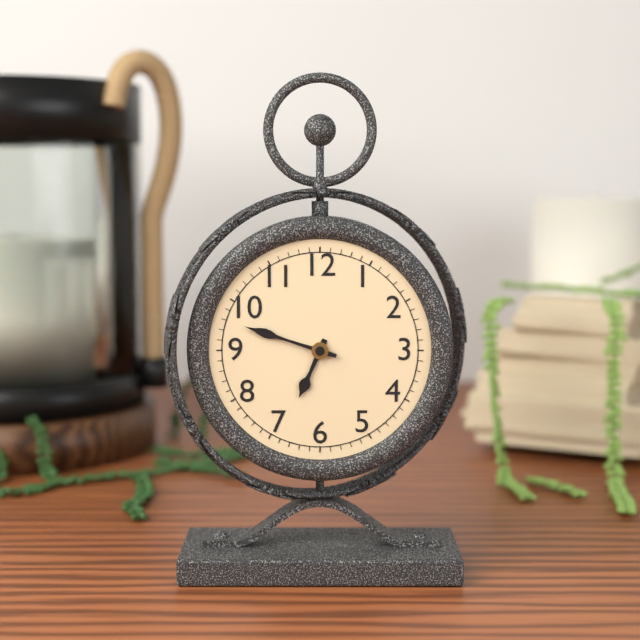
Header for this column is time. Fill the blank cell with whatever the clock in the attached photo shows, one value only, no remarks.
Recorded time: 6:48
